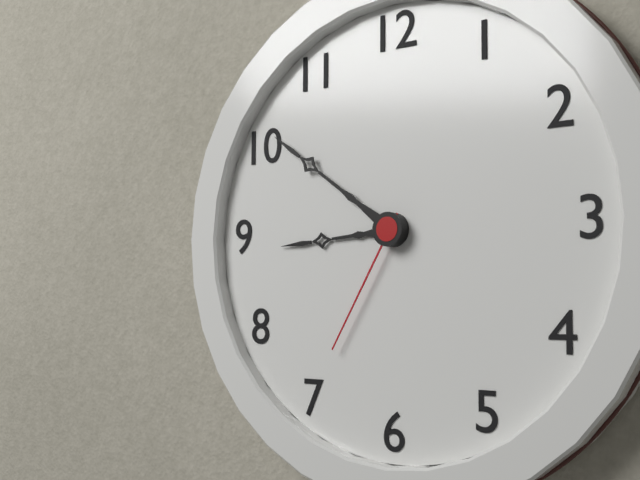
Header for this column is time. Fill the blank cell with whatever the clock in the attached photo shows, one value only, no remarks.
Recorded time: 8:51:35
